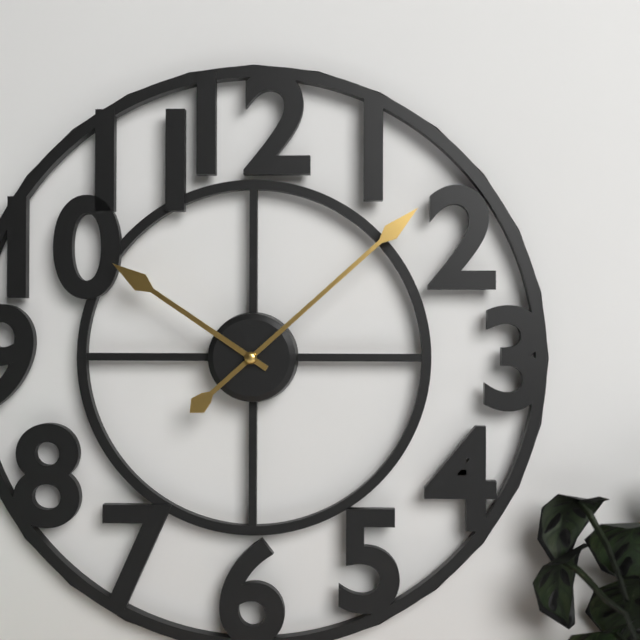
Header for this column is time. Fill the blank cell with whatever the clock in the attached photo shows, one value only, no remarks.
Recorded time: 10:08
